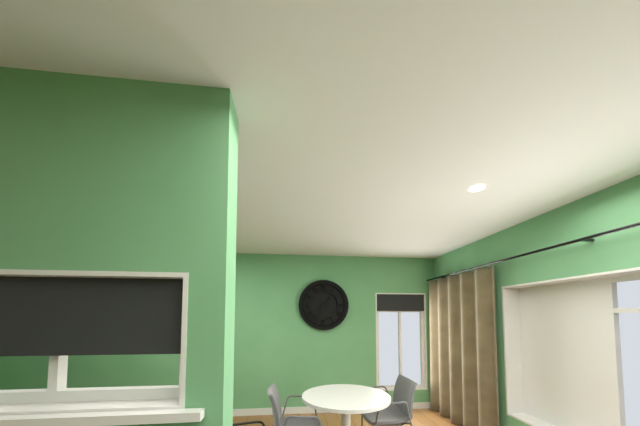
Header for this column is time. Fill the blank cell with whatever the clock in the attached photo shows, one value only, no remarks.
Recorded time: 1:35
